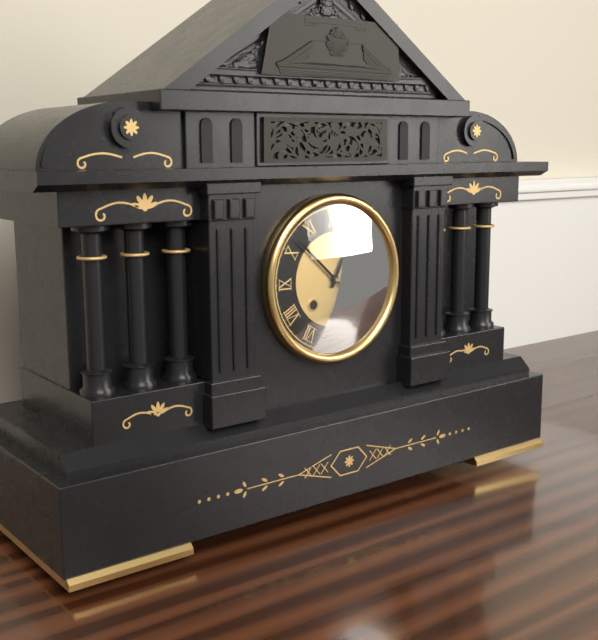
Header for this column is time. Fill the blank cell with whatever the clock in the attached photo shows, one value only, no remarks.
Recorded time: 12:52
